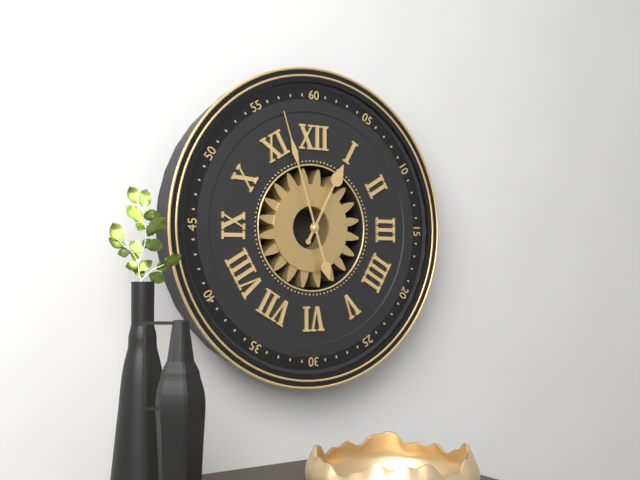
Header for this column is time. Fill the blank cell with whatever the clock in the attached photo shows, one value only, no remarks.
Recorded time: 12:57
